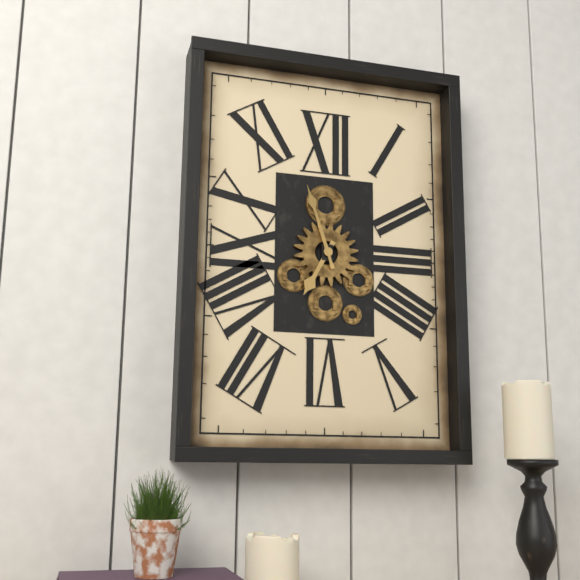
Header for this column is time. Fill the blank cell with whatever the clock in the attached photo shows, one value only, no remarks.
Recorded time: 6:57
